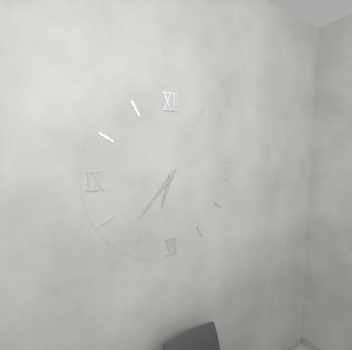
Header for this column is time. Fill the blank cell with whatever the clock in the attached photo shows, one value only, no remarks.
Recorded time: 6:37
